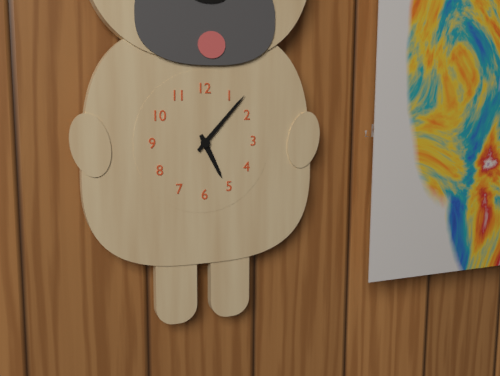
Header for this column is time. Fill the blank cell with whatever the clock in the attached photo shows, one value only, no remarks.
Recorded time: 5:07
